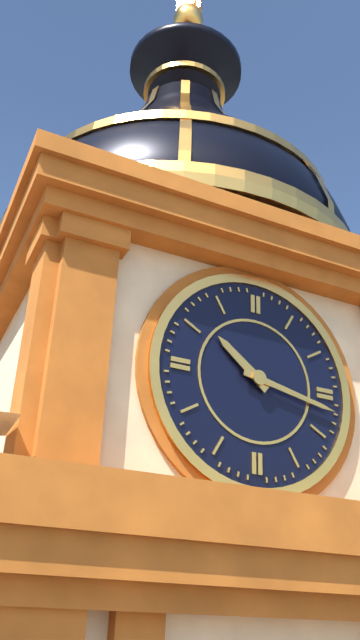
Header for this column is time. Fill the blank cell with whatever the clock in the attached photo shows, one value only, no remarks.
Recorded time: 10:17
